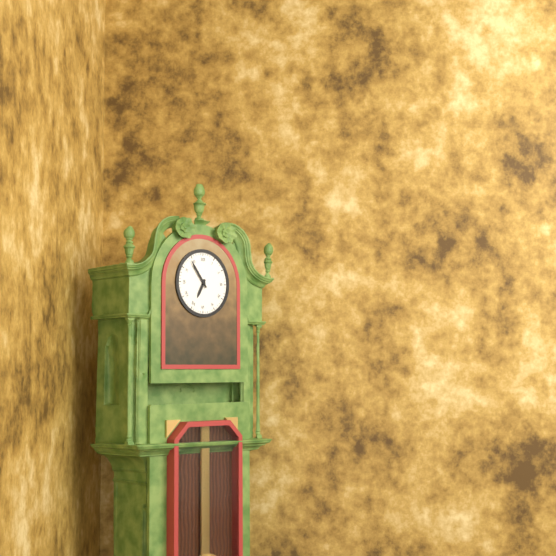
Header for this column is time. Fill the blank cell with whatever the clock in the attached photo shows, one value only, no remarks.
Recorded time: 6:54
